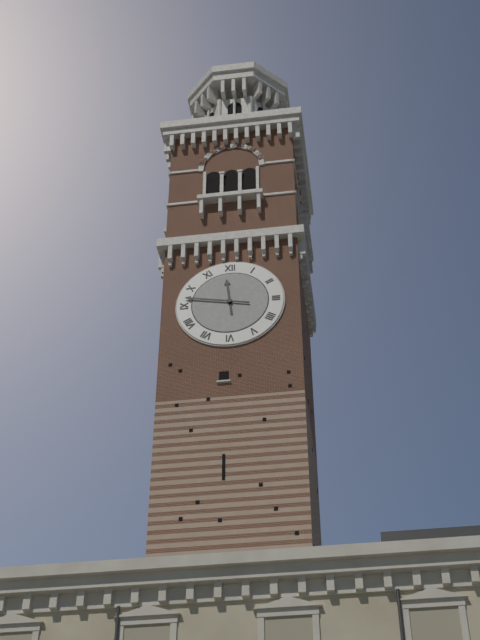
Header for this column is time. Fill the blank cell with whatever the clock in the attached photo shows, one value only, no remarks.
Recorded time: 11:47
